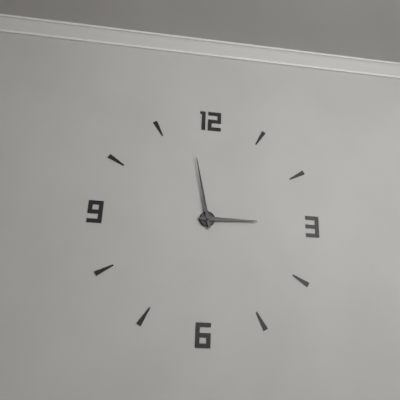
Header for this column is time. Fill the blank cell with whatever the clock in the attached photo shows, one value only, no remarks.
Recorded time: 2:58
